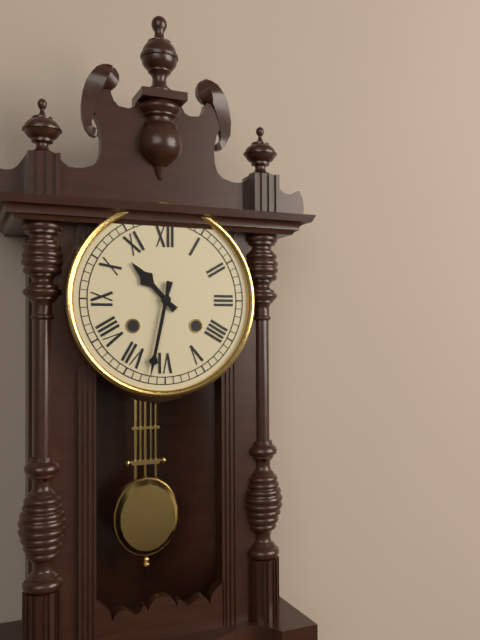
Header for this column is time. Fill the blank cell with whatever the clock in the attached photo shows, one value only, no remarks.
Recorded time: 10:32
